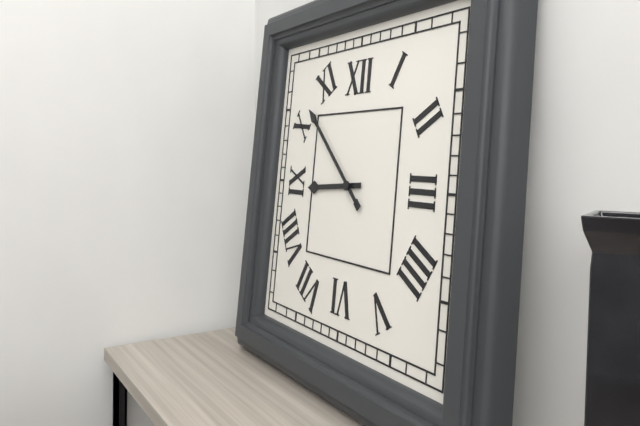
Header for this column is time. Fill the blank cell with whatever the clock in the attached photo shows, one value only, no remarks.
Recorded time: 8:52
